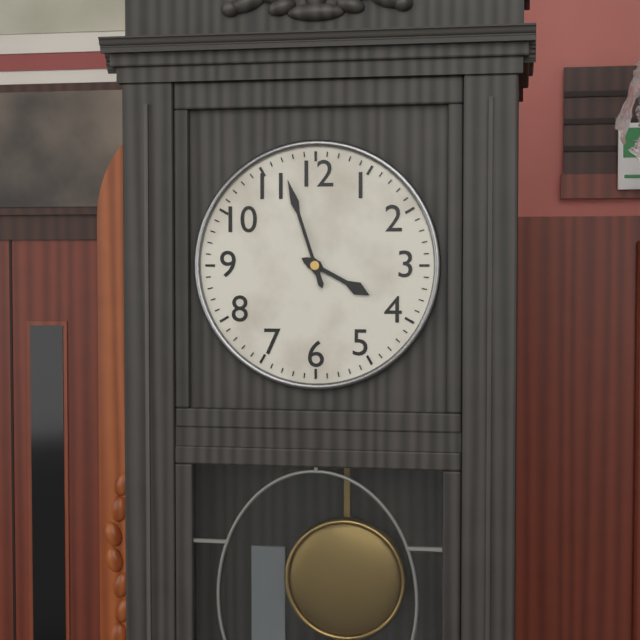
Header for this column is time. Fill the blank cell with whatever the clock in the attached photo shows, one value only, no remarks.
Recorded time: 3:57
